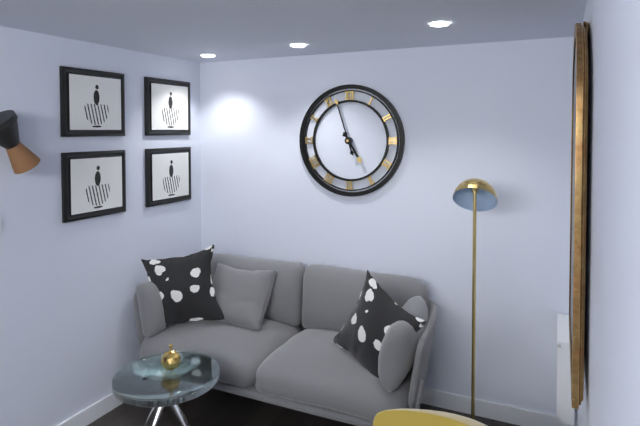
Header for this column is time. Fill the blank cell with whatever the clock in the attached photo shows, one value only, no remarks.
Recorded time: 4:57
